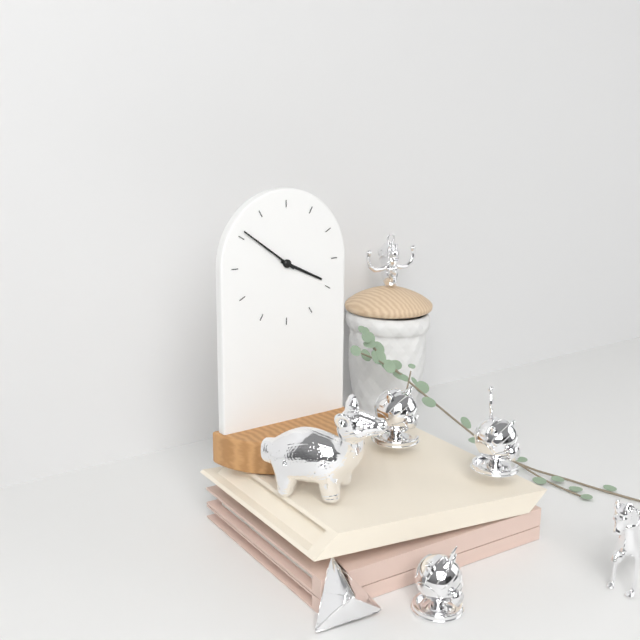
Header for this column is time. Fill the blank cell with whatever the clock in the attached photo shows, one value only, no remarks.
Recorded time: 3:51
